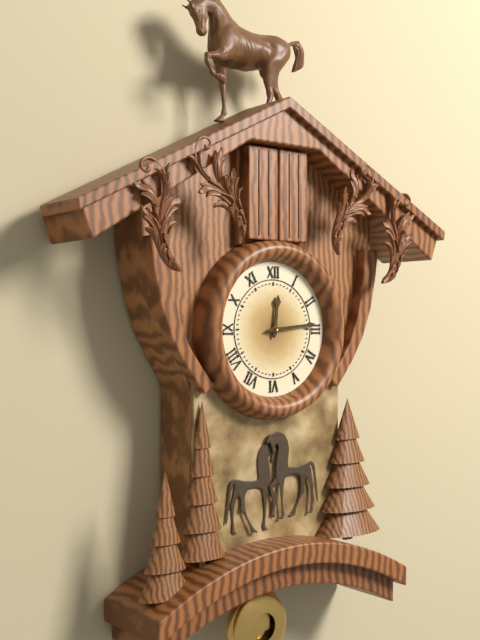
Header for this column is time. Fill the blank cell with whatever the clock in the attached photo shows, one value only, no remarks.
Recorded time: 12:14
